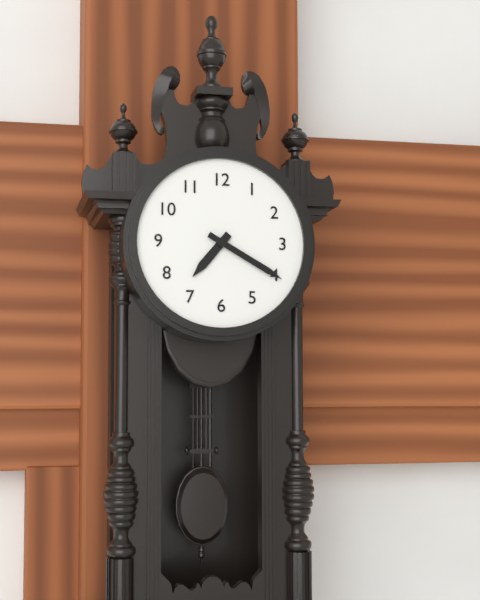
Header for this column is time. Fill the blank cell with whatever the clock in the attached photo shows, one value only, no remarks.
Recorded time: 7:20
